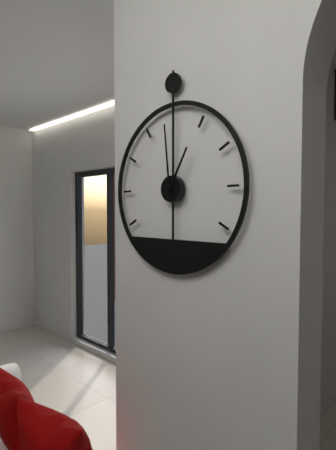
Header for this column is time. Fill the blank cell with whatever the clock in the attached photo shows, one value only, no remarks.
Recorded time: 12:59
